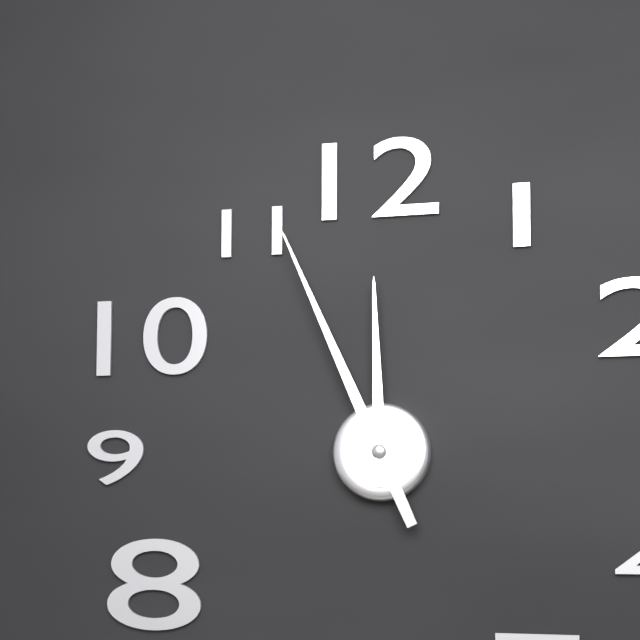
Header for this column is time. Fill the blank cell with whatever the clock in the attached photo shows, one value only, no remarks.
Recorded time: 11:56
